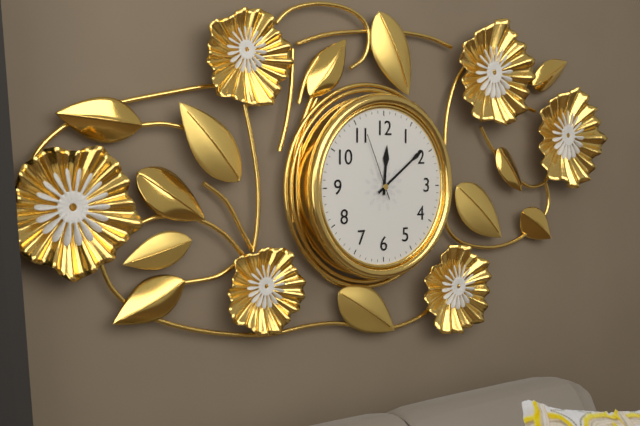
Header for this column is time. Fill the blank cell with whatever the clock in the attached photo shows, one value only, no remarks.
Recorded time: 12:09:56
